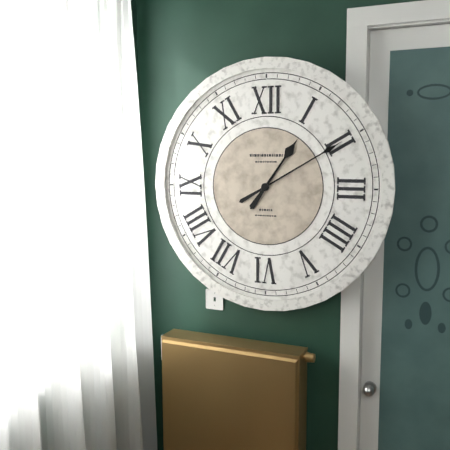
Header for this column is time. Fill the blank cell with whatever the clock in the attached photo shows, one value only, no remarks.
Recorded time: 1:10
